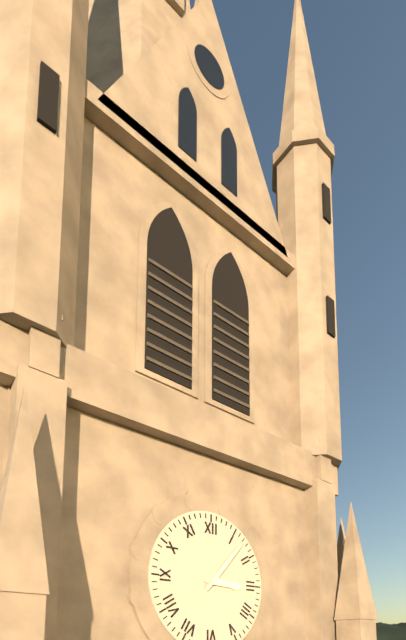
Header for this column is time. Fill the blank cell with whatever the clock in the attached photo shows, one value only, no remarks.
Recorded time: 3:07
